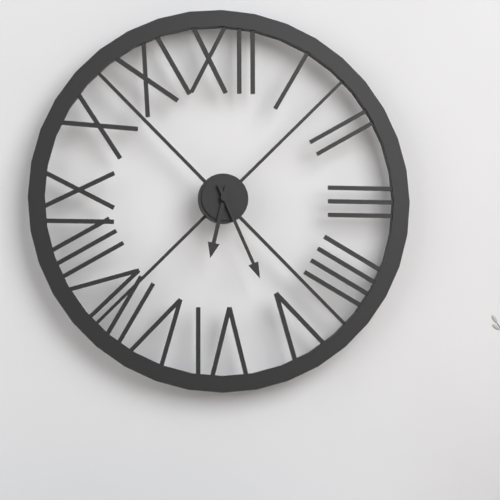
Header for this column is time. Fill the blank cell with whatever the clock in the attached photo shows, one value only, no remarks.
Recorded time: 6:26
